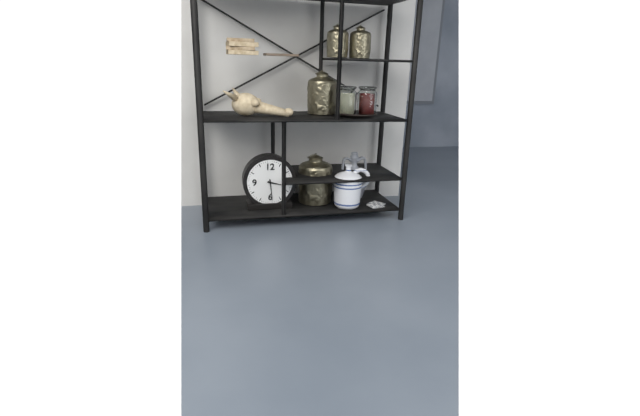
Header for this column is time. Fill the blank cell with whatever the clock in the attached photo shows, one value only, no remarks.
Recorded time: 3:29
